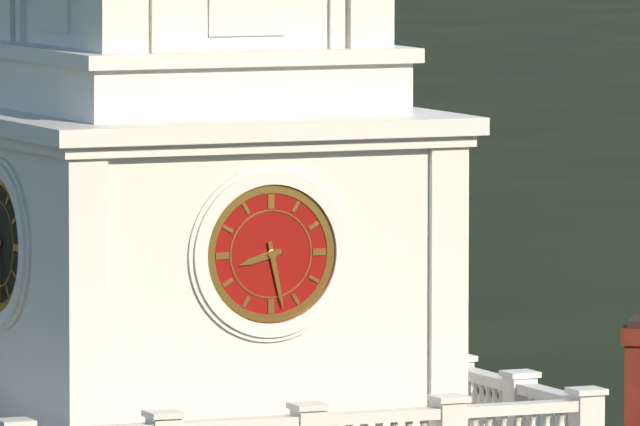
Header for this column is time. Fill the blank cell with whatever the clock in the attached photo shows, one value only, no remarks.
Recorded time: 8:28
